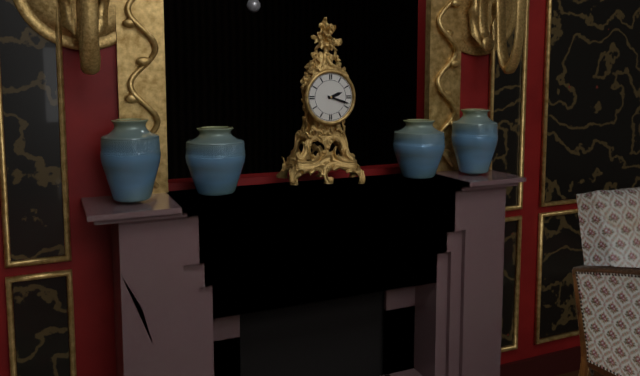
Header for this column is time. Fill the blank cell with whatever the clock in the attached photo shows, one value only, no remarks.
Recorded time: 2:18
